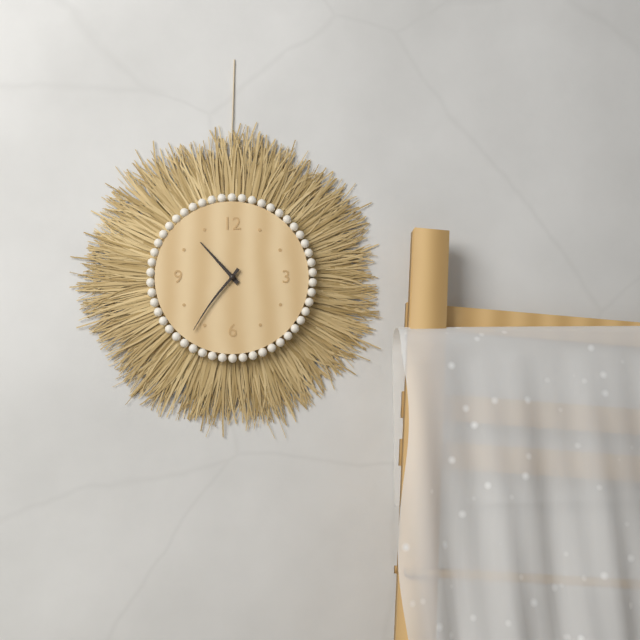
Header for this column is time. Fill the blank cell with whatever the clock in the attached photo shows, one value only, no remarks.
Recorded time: 10:36
